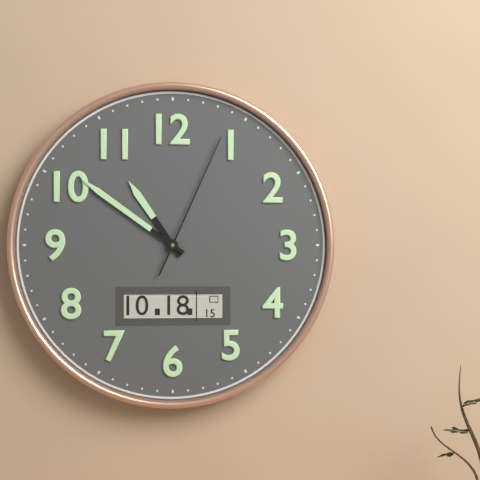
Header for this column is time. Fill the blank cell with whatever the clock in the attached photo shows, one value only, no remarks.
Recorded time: 10:51:04
